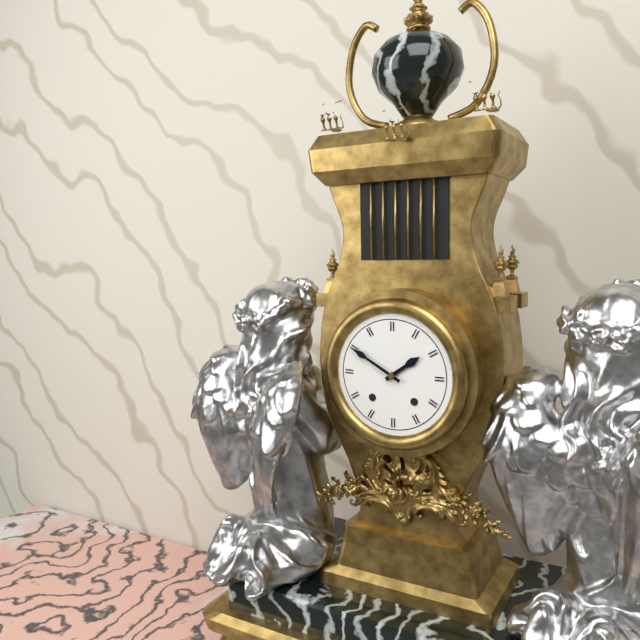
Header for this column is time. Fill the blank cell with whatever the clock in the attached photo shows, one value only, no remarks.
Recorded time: 1:50
